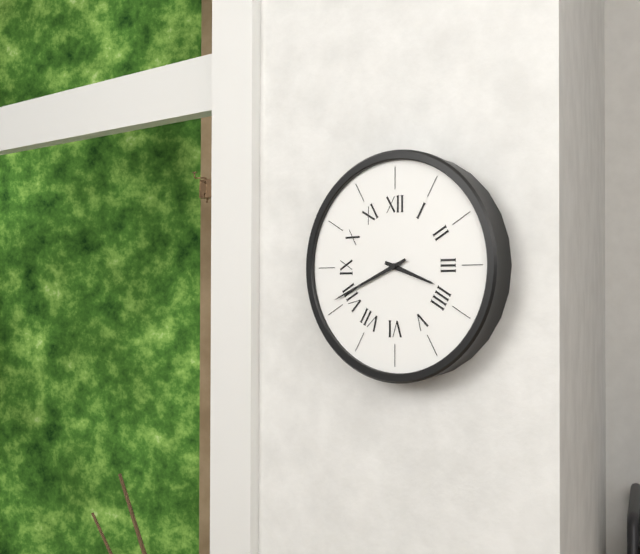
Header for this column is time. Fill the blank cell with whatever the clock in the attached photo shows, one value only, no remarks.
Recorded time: 3:41
